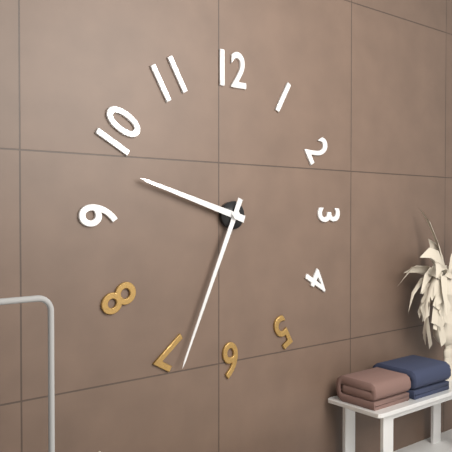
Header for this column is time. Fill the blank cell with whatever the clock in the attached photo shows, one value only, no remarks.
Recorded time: 9:34
